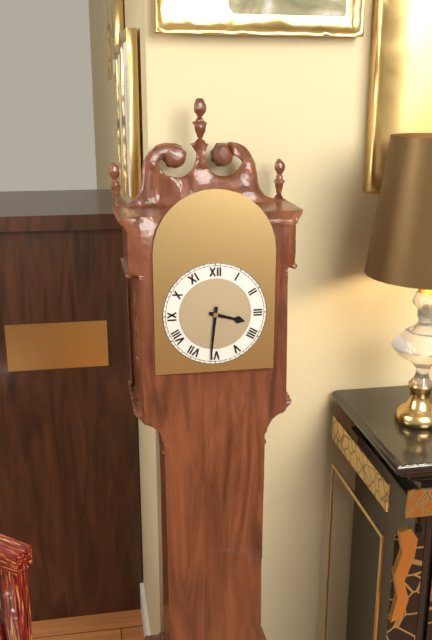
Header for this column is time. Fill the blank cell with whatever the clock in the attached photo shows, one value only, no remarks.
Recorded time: 3:31
